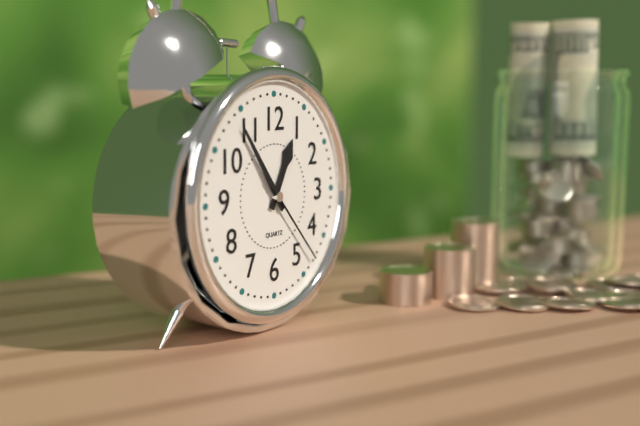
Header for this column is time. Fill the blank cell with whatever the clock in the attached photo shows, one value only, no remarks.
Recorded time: 12:54:23
